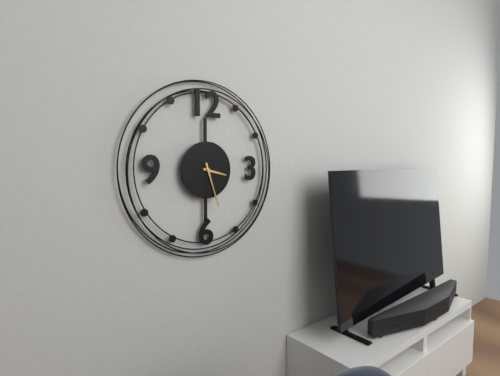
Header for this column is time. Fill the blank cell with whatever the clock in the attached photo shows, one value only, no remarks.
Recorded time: 3:27
